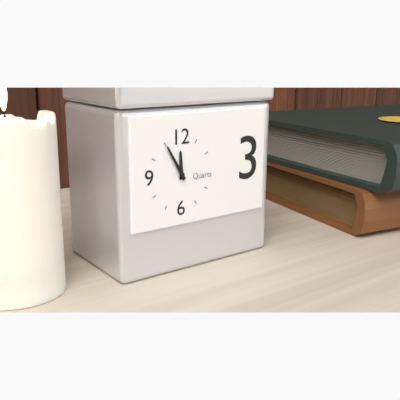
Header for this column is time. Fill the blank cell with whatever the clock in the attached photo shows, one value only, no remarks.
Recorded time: 11:55
